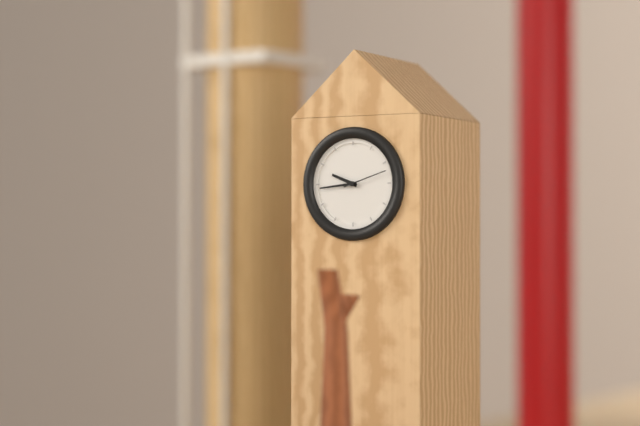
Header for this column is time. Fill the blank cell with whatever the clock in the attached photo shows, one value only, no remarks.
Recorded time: 9:44
